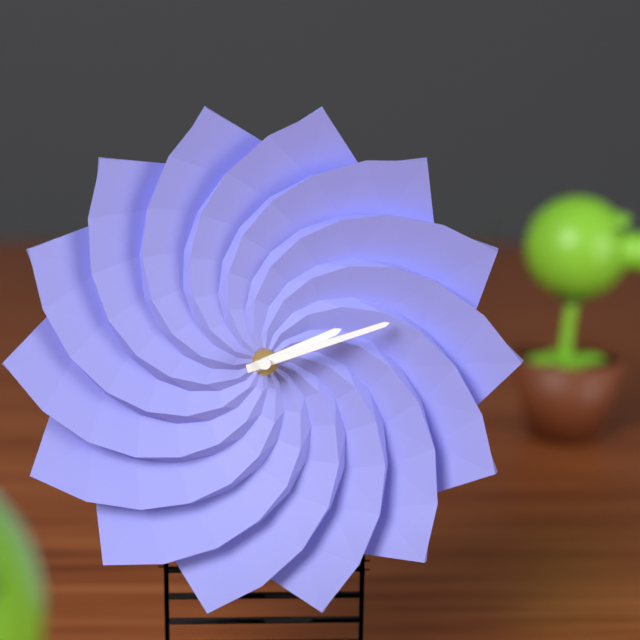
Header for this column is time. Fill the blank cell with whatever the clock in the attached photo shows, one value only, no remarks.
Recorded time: 2:12
